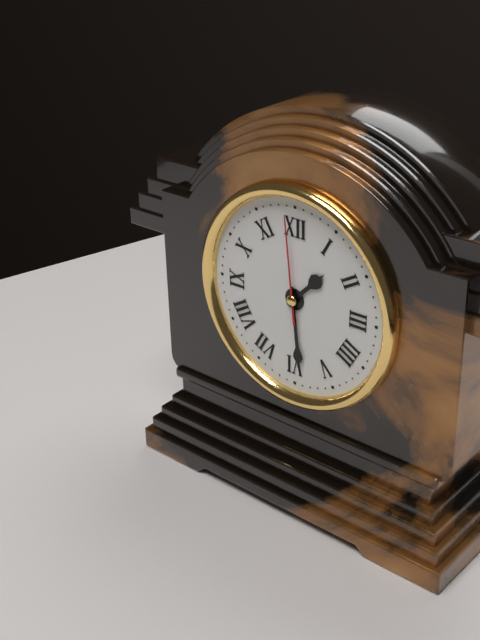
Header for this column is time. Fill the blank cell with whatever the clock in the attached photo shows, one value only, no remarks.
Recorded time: 1:29:59
